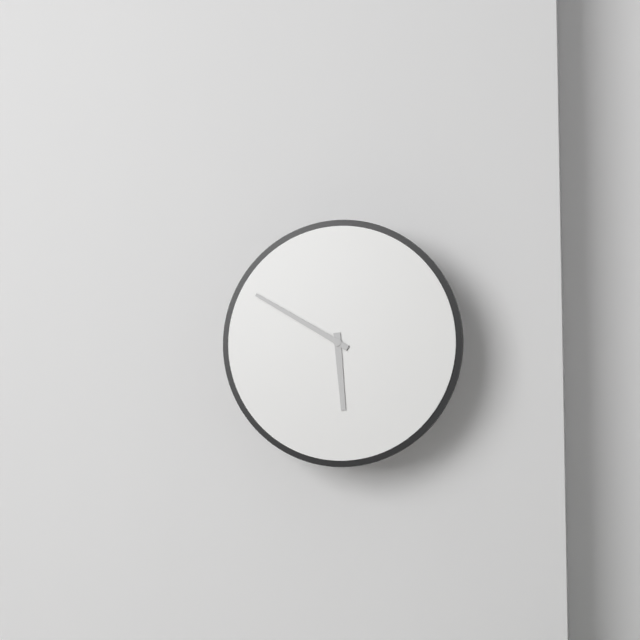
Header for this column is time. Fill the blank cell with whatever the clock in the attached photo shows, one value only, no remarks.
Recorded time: 5:50
